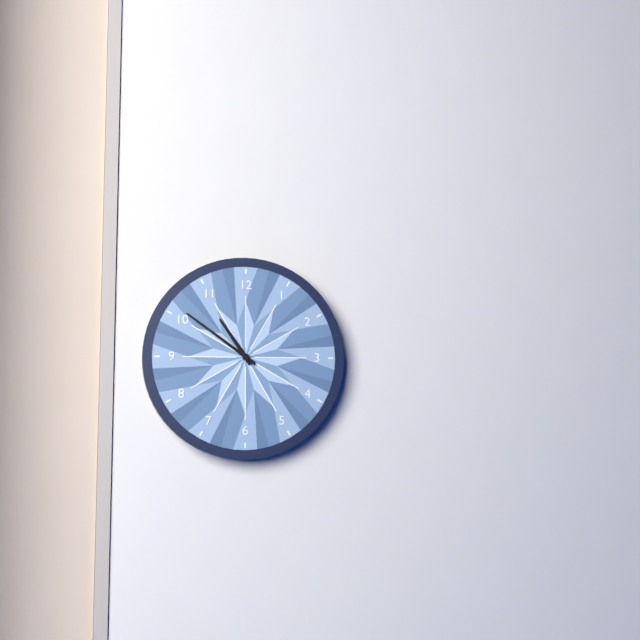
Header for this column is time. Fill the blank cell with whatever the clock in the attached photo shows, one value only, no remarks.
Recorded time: 10:51
